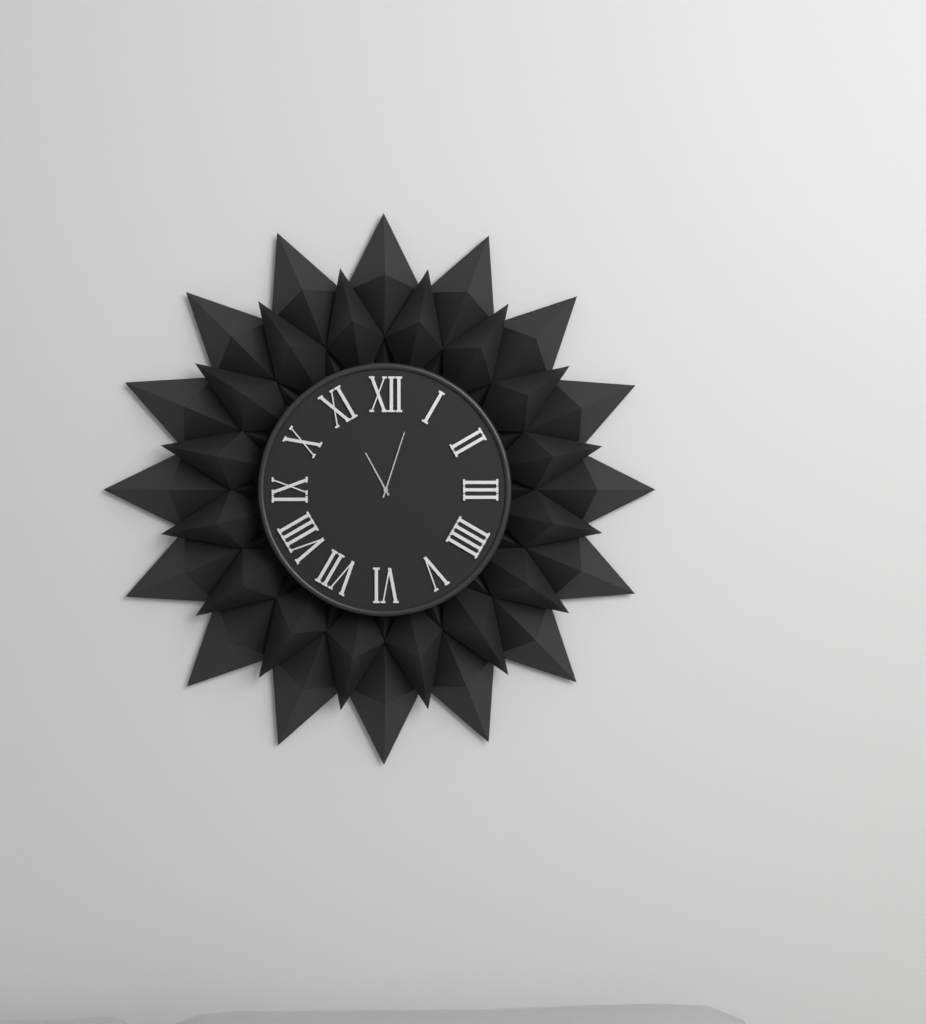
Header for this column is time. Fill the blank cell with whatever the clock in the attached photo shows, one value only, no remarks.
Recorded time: 11:03
